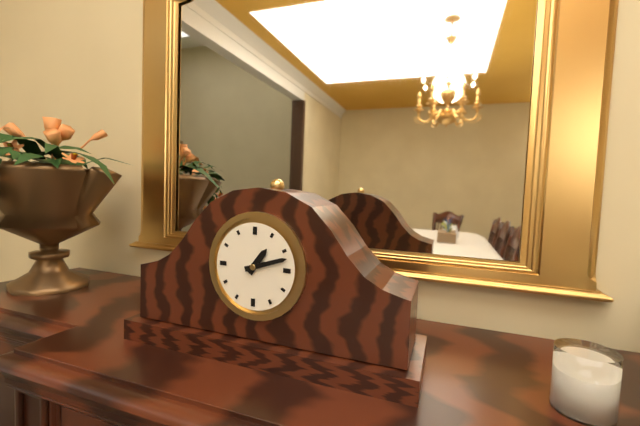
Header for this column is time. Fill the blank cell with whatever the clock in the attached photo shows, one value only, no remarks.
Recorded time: 1:12
